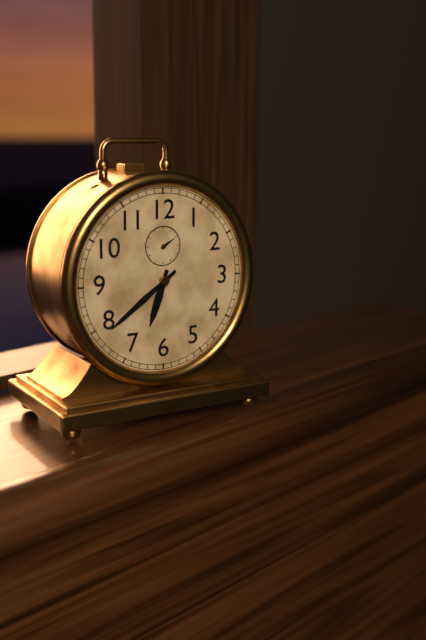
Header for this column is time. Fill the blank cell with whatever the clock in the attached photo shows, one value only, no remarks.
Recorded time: 6:39
